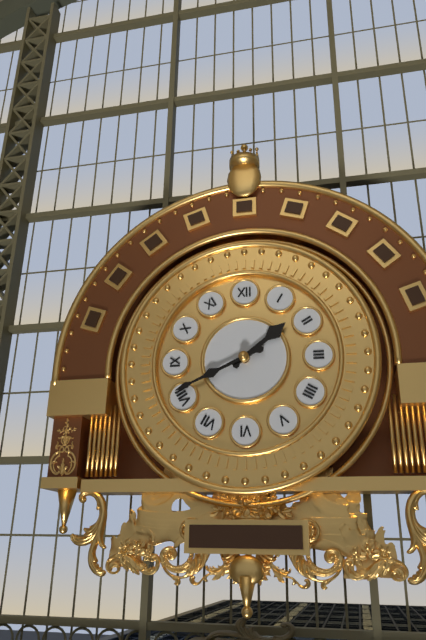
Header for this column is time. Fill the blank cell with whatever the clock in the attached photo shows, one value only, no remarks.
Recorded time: 1:41
